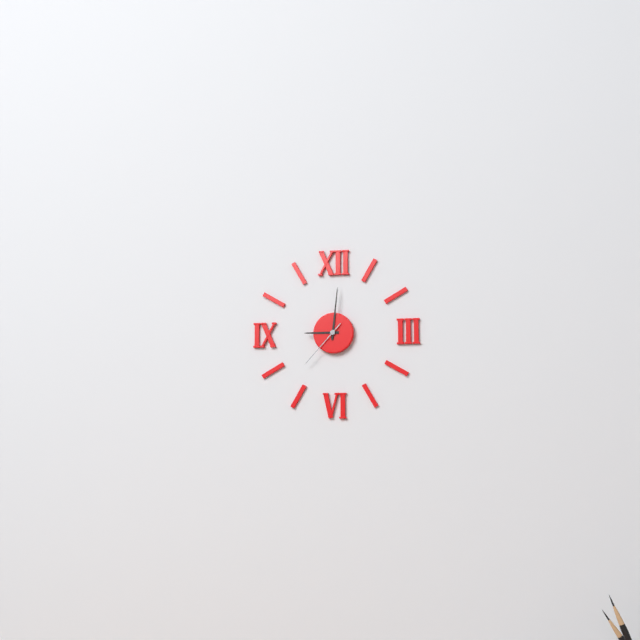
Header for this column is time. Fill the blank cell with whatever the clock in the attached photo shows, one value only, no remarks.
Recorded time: 9:01:37
